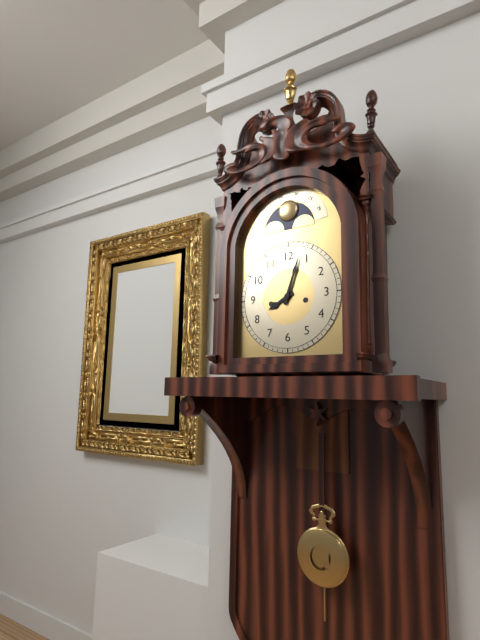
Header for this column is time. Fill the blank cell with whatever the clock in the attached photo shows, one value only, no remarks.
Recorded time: 8:03
